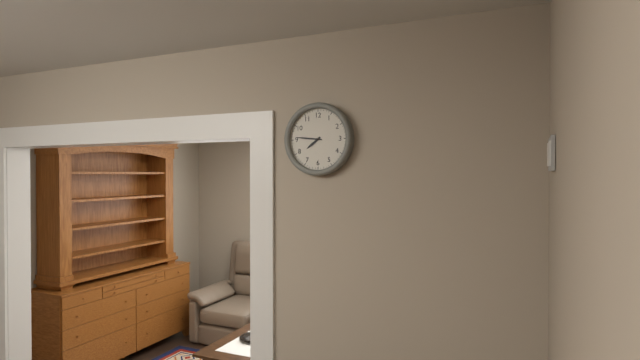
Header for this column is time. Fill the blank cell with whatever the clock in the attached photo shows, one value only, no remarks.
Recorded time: 7:46
